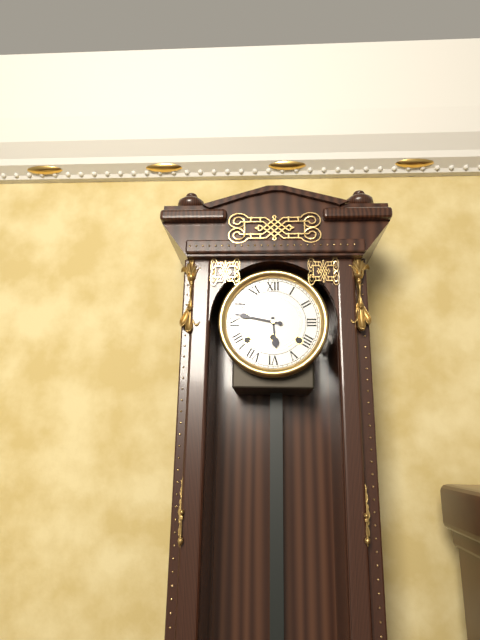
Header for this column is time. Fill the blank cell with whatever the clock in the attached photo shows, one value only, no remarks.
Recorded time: 5:47
